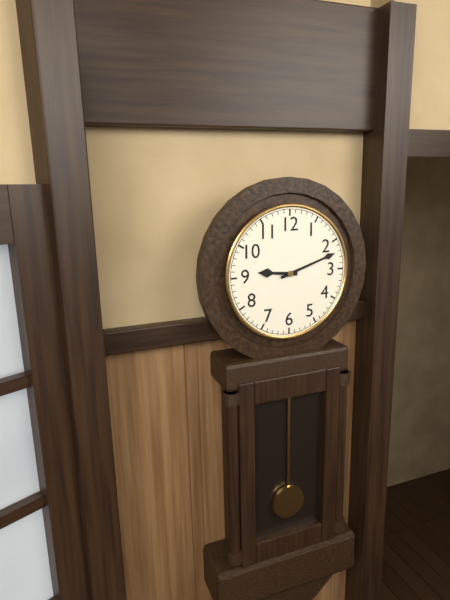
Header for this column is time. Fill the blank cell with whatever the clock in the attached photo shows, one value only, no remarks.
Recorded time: 9:12
